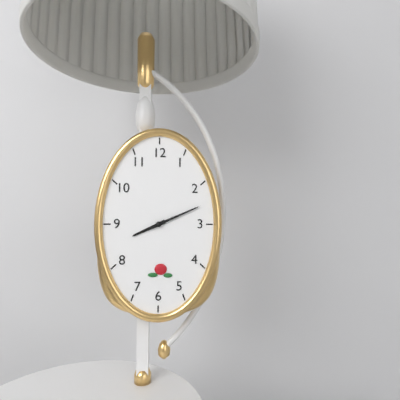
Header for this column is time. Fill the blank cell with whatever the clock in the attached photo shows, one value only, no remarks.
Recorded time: 8:11
